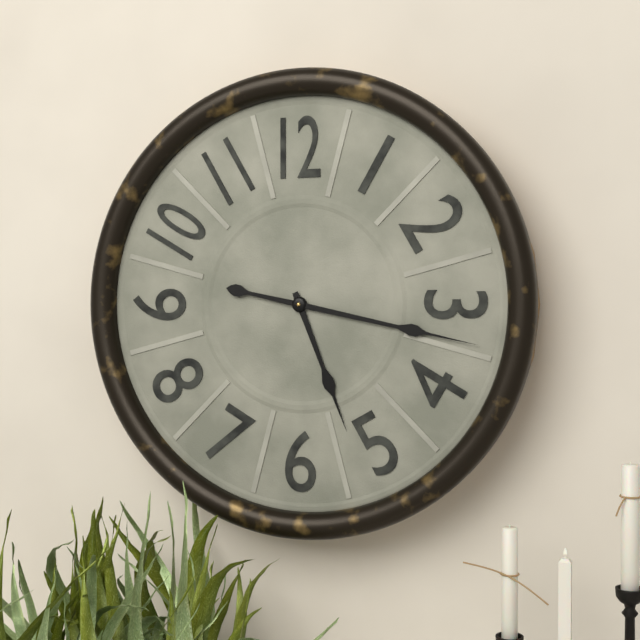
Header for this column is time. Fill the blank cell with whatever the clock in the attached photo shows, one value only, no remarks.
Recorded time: 5:17
